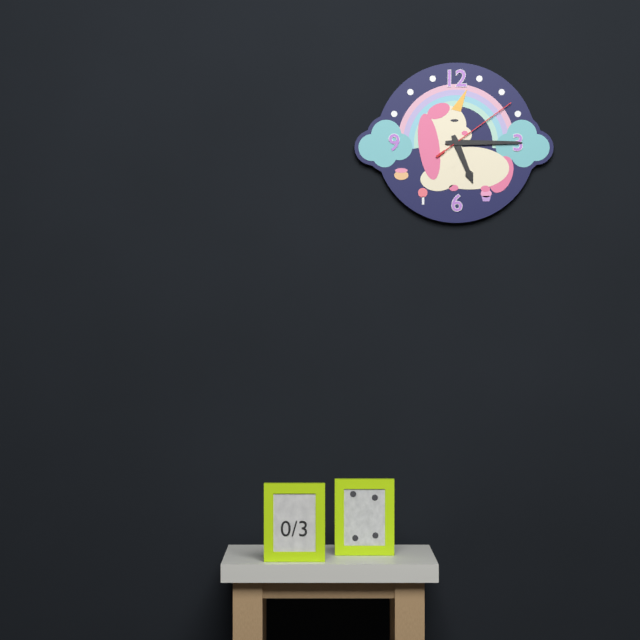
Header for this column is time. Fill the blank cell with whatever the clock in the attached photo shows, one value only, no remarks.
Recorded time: 5:15:09
